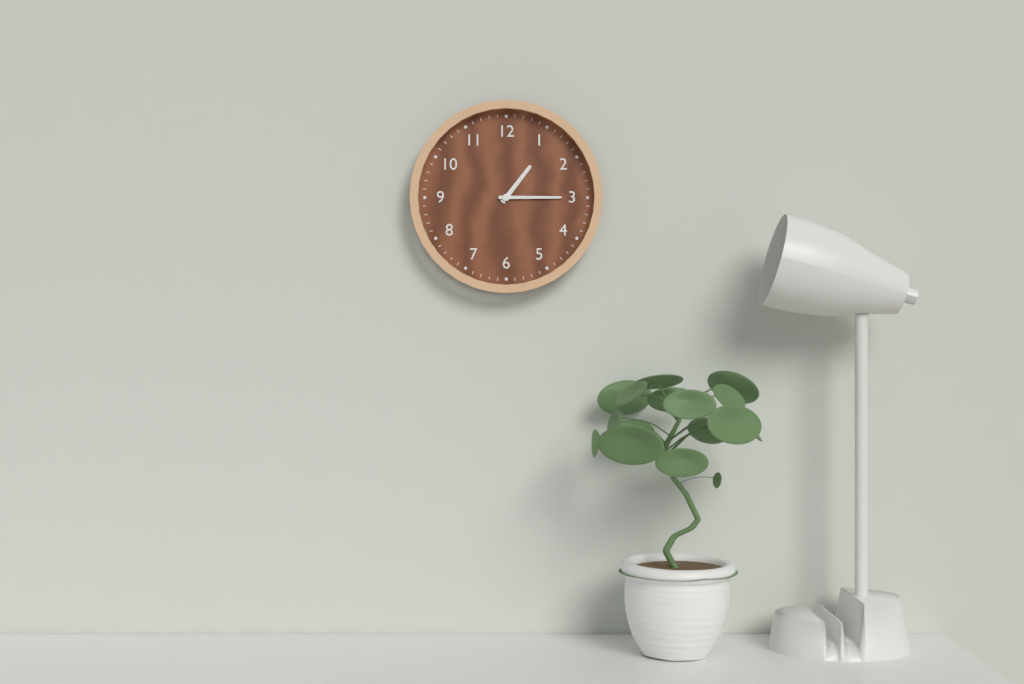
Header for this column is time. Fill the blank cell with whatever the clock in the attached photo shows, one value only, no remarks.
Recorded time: 1:15
